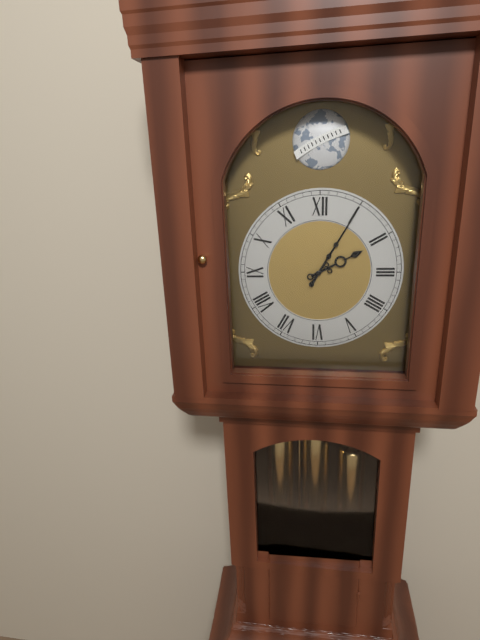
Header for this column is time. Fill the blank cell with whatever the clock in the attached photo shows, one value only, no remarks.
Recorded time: 2:05
